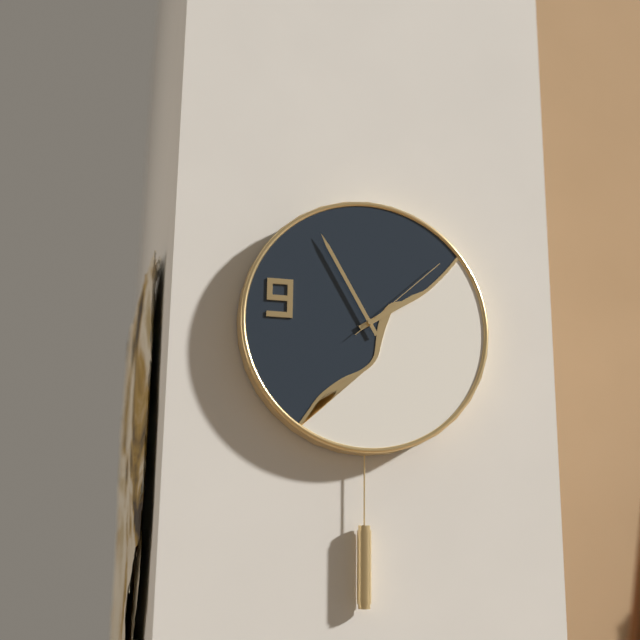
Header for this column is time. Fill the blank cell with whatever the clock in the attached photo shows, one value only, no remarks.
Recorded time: 1:55:08
